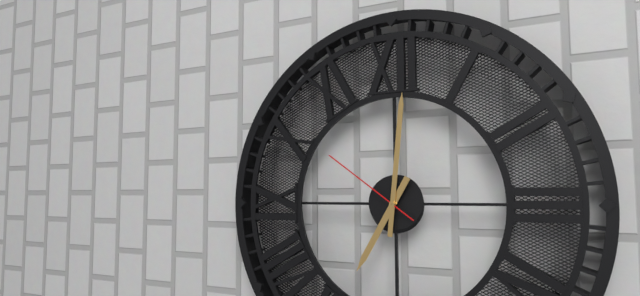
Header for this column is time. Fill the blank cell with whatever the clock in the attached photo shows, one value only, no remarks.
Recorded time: 7:01:51
